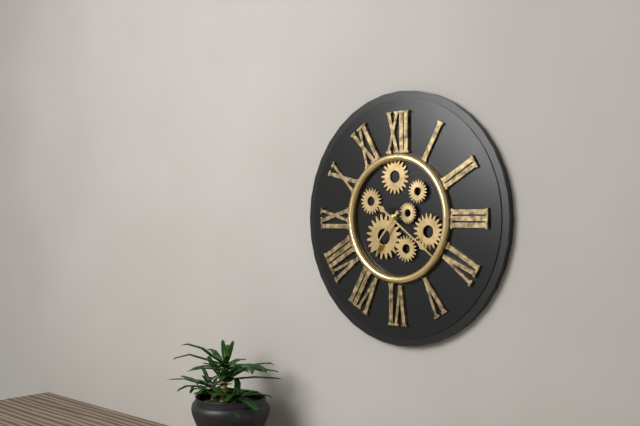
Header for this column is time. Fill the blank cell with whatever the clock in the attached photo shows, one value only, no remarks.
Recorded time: 7:21
